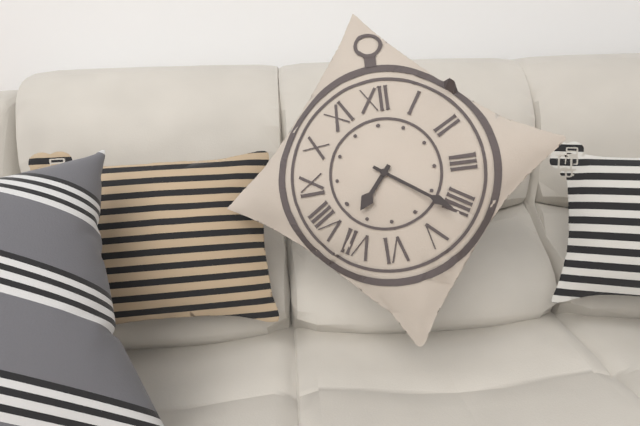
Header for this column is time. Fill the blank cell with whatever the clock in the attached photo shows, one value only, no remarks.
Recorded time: 7:21
